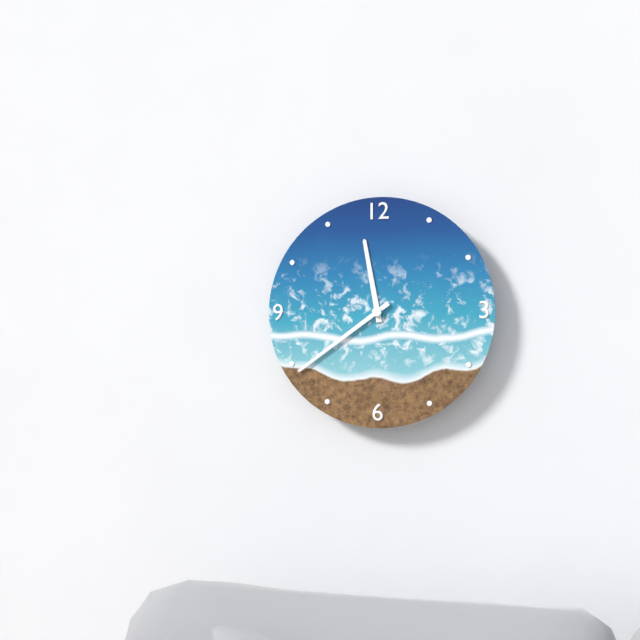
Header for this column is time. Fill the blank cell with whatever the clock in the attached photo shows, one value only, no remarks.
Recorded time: 11:39
